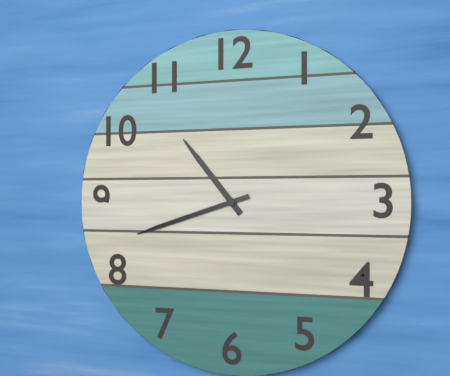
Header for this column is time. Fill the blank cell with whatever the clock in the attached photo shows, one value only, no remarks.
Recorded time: 10:42
